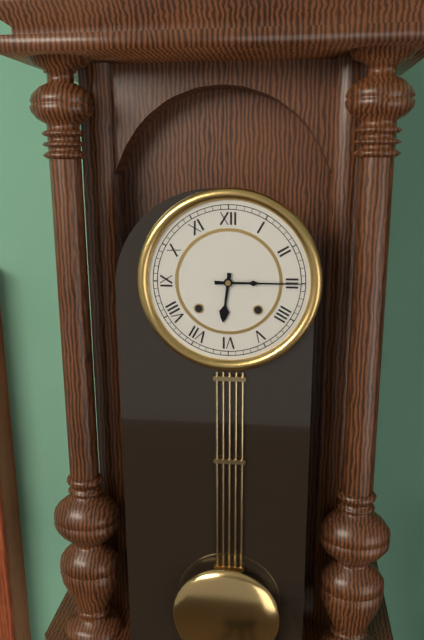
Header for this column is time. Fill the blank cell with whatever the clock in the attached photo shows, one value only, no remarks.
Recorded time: 6:15
